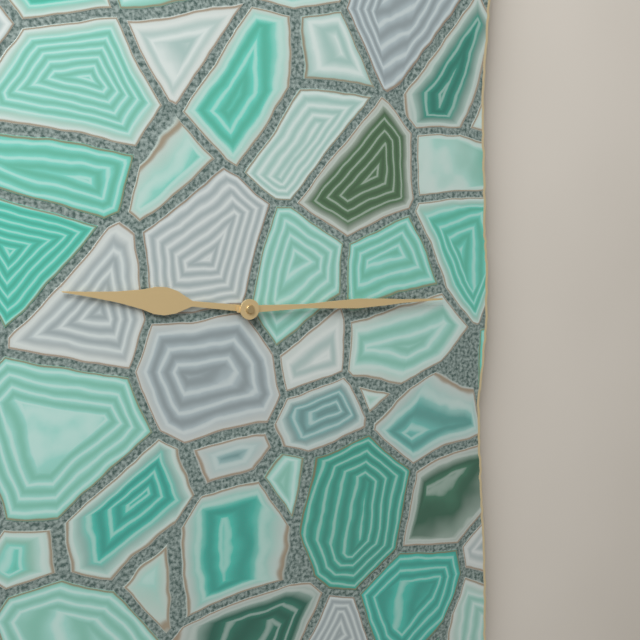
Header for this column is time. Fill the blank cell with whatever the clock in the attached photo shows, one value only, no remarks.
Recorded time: 9:15
